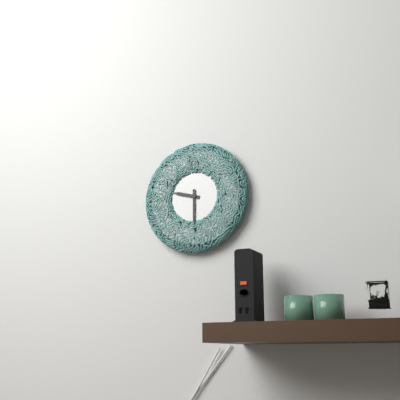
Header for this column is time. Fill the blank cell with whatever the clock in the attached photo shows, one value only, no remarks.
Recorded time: 9:30
